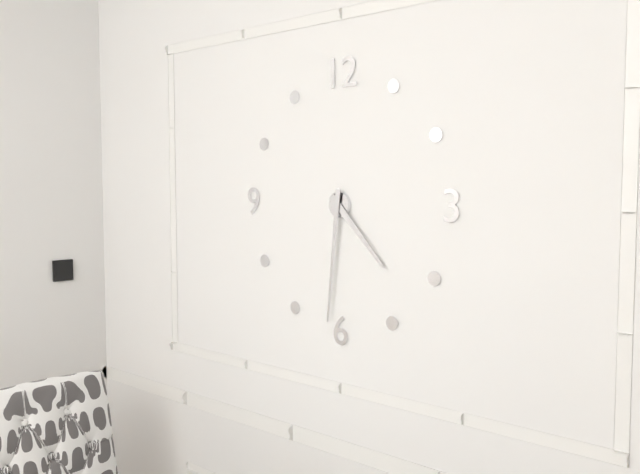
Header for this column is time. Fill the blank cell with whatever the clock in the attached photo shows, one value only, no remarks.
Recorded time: 4:31
